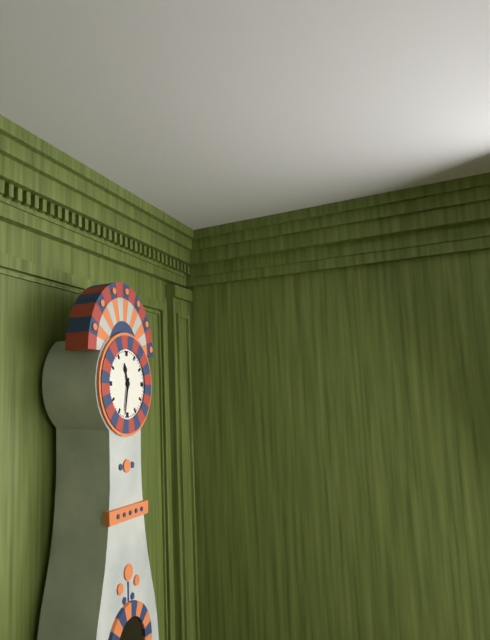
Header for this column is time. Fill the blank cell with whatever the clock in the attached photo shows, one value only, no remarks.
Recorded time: 11:32
